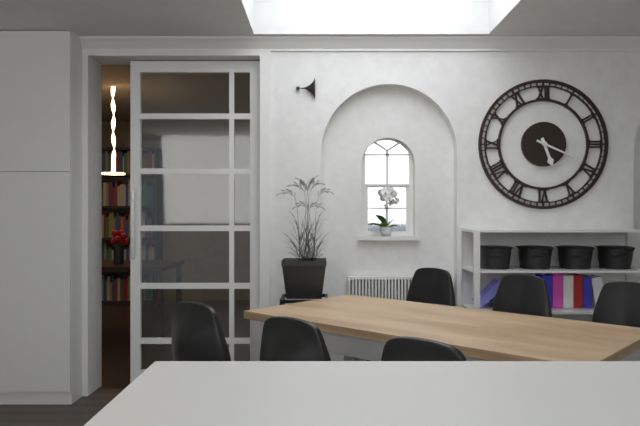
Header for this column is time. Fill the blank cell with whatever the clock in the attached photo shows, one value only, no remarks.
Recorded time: 5:19
